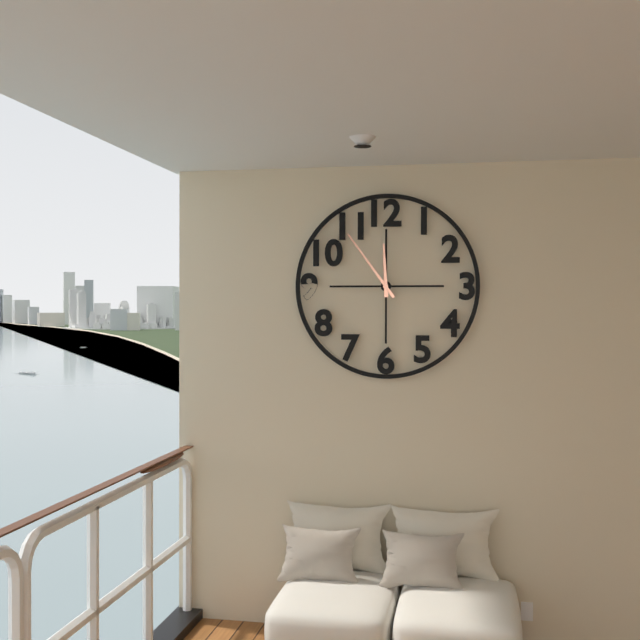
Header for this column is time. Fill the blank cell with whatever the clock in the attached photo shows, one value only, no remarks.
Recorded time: 11:54
